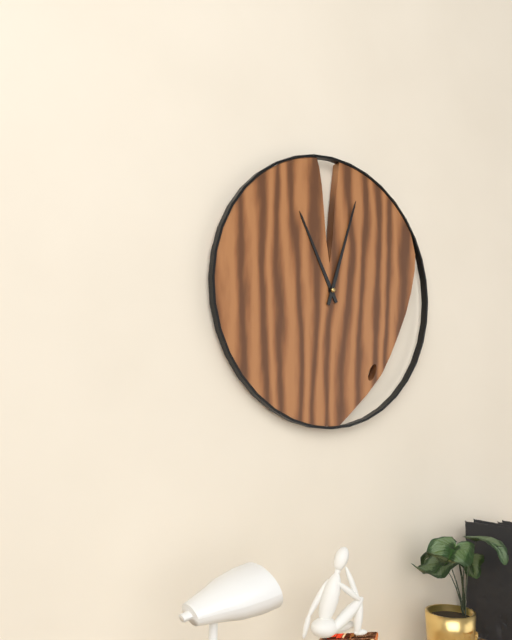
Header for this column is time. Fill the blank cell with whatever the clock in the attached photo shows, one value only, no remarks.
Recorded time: 11:03
